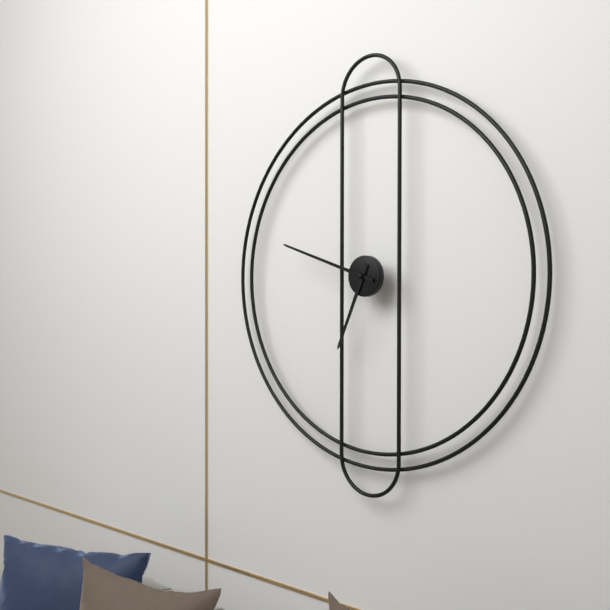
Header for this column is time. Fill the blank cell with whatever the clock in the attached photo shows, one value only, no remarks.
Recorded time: 6:48
